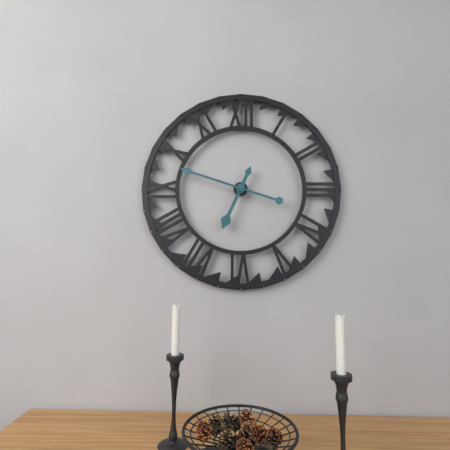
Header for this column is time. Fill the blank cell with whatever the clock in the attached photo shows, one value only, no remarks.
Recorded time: 6:48
